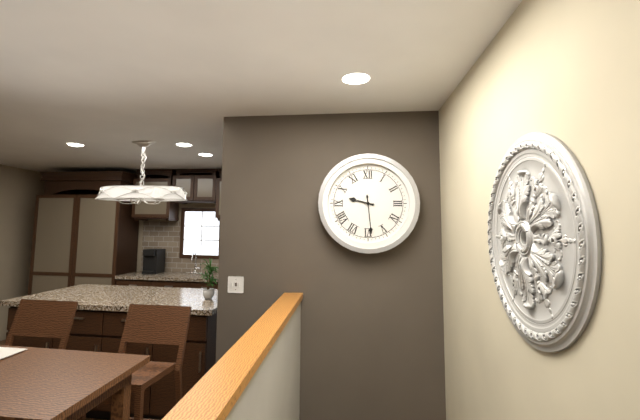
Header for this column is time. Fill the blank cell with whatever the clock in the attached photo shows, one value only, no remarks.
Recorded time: 9:29
